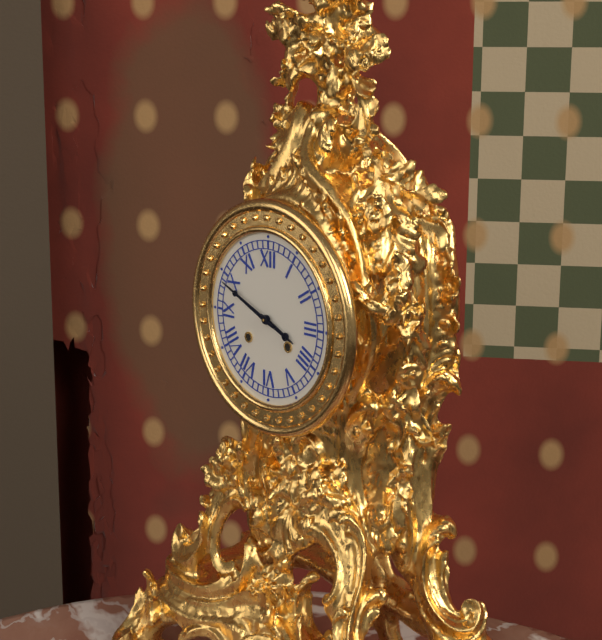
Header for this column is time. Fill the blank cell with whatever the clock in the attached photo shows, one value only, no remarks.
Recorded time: 3:49
